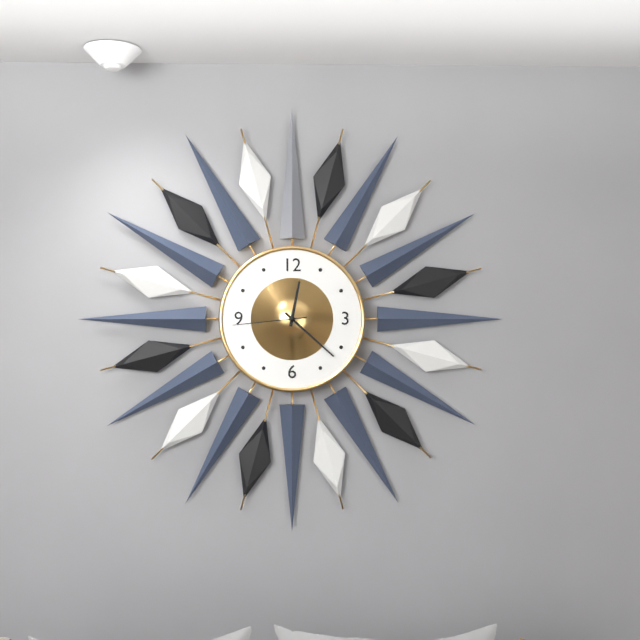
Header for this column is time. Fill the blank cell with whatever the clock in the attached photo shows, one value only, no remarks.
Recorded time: 12:22:44
